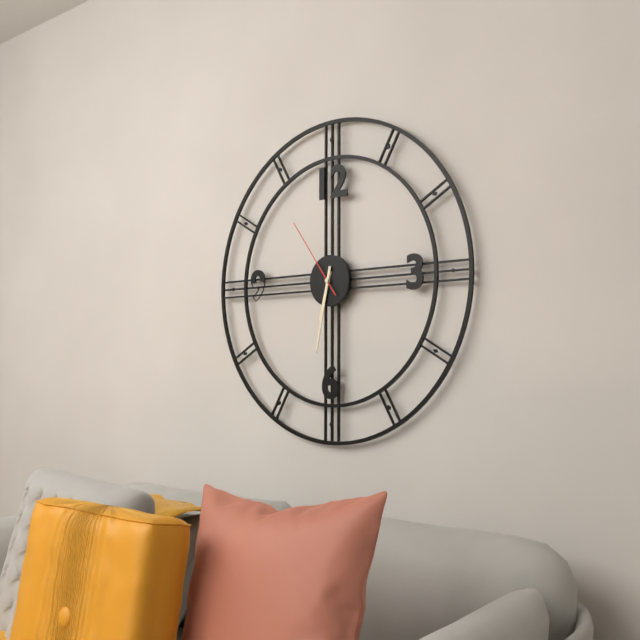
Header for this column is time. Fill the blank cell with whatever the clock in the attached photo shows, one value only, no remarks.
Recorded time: 6:32:54
